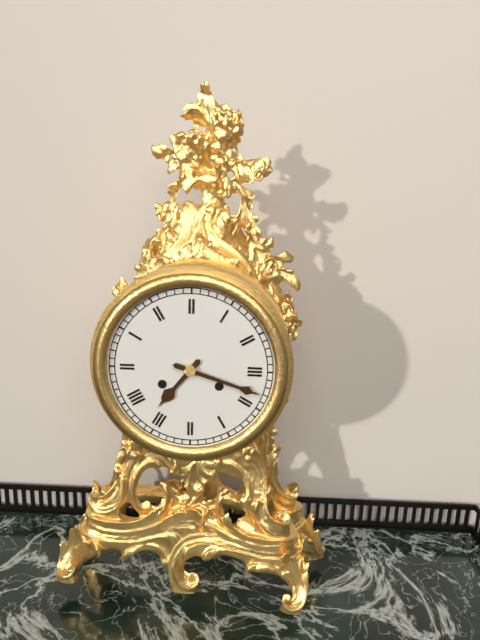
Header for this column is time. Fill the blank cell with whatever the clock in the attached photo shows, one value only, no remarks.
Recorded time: 7:18
